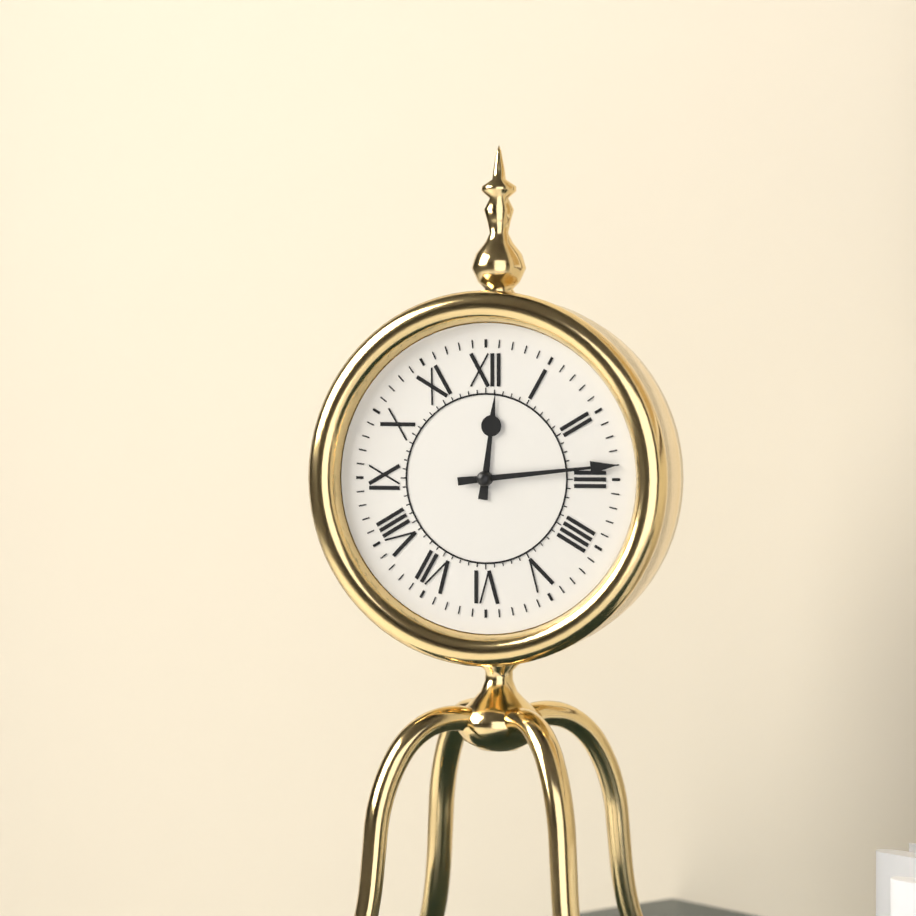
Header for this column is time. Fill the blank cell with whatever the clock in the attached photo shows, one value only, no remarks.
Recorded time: 12:14
